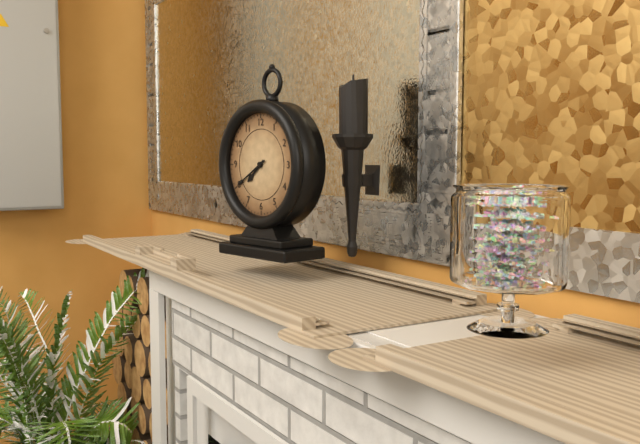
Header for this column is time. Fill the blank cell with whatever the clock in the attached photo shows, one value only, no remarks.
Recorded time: 7:40
